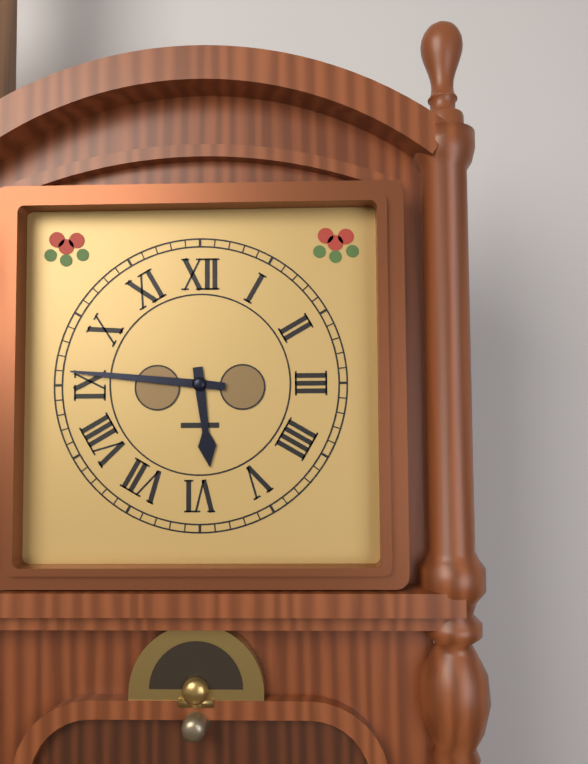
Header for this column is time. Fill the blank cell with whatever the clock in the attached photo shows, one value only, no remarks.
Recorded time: 5:46
